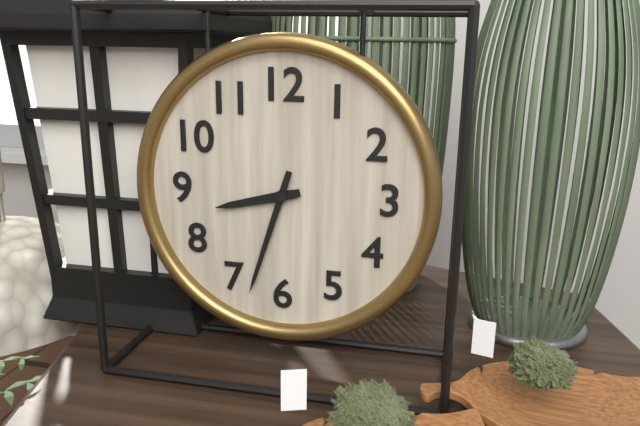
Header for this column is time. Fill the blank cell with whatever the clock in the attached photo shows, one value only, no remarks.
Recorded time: 8:33
